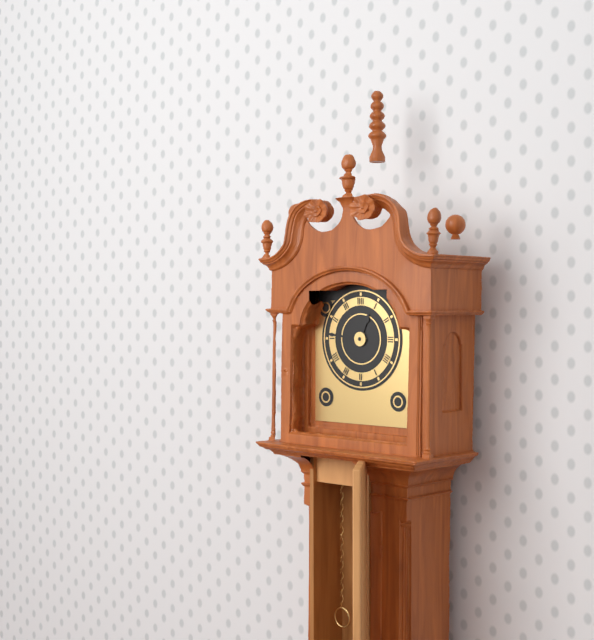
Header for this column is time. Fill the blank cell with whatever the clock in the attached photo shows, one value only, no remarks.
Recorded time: 12:46
